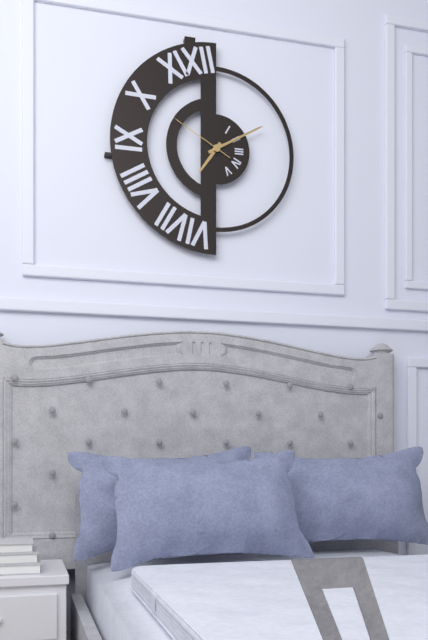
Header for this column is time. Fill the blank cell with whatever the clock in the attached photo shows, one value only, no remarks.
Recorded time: 7:10:50
